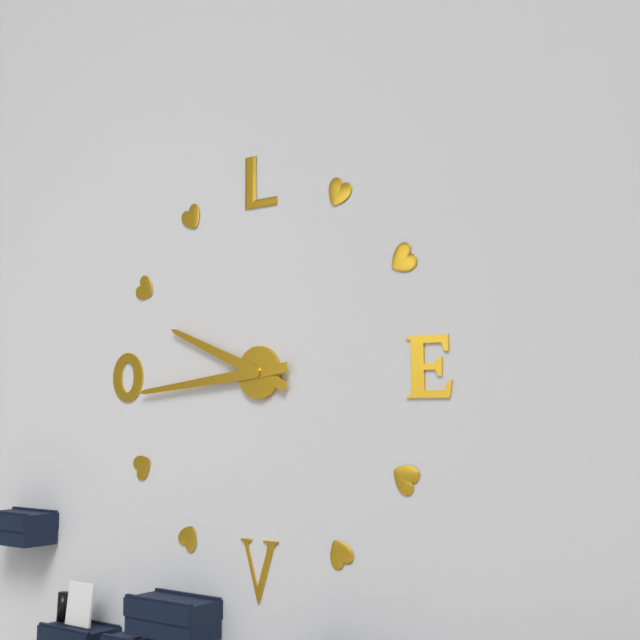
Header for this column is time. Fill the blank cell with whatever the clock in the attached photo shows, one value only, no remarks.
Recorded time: 9:44
